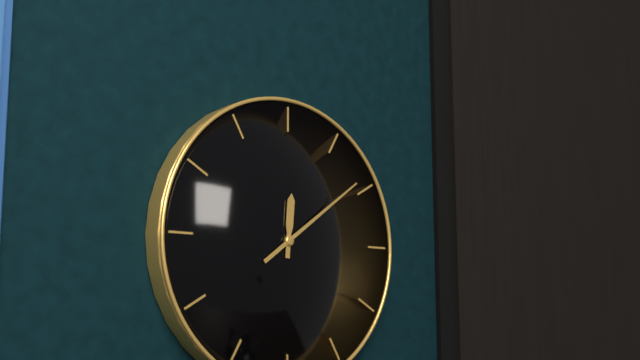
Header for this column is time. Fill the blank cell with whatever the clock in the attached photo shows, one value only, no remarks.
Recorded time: 12:09
